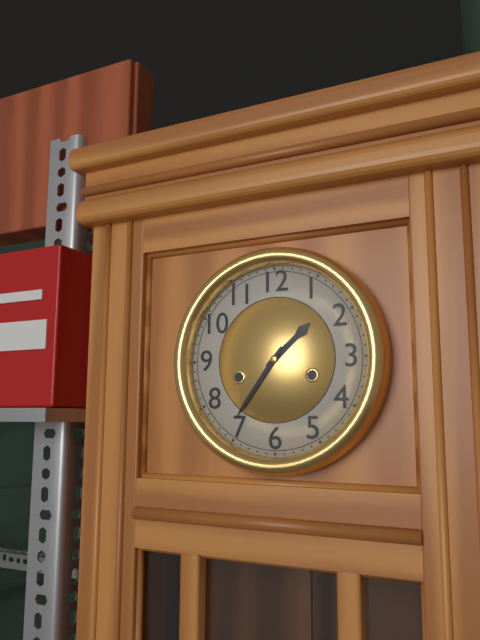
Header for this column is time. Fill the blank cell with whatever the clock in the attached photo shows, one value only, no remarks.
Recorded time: 1:36
